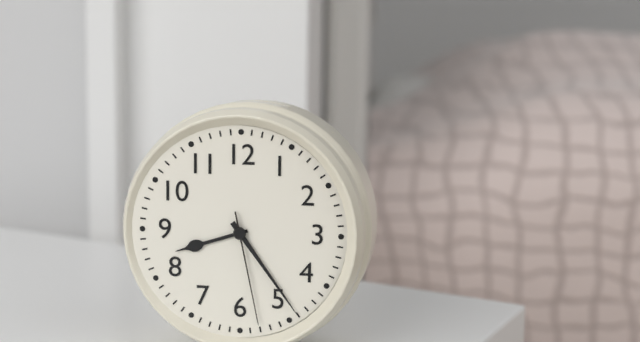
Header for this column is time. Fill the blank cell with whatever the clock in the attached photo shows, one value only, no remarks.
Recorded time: 8:24:28
